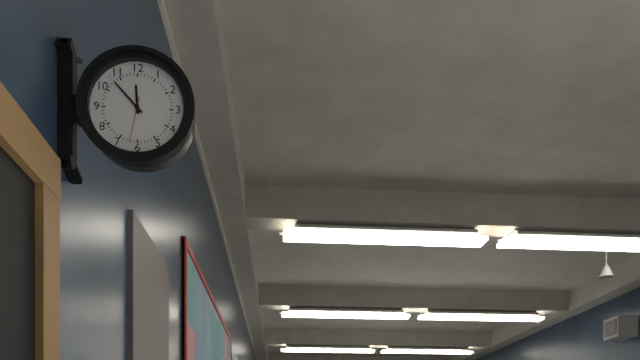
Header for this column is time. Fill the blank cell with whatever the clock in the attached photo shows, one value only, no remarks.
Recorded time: 11:53
